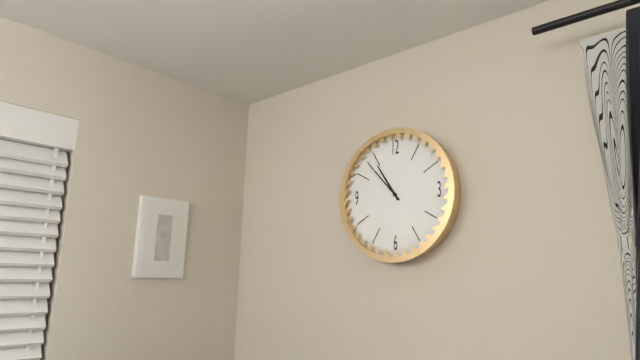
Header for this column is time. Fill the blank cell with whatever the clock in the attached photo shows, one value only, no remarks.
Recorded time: 10:53
